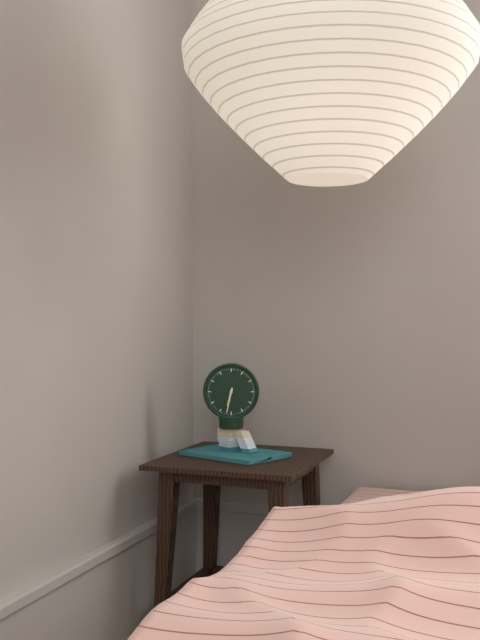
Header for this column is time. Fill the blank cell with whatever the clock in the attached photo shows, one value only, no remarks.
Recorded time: 6:32
